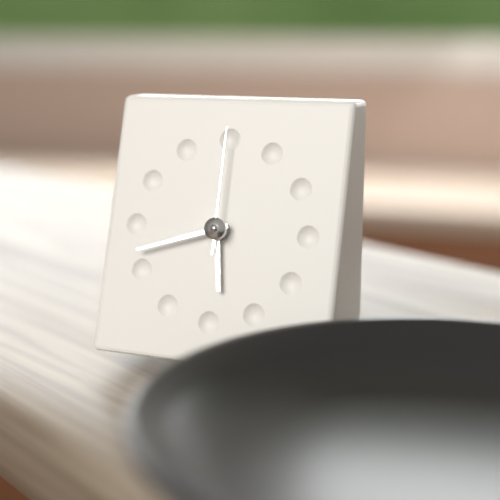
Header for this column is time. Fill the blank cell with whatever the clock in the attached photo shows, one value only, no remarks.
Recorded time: 5:42:00
